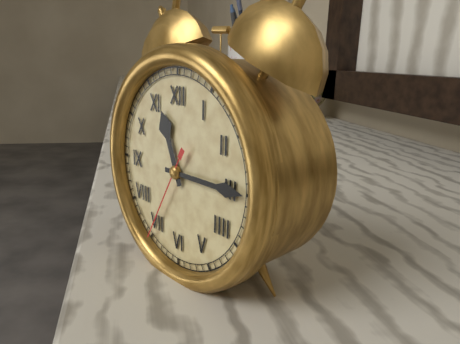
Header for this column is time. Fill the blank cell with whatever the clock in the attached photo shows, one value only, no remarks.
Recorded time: 11:15:35
